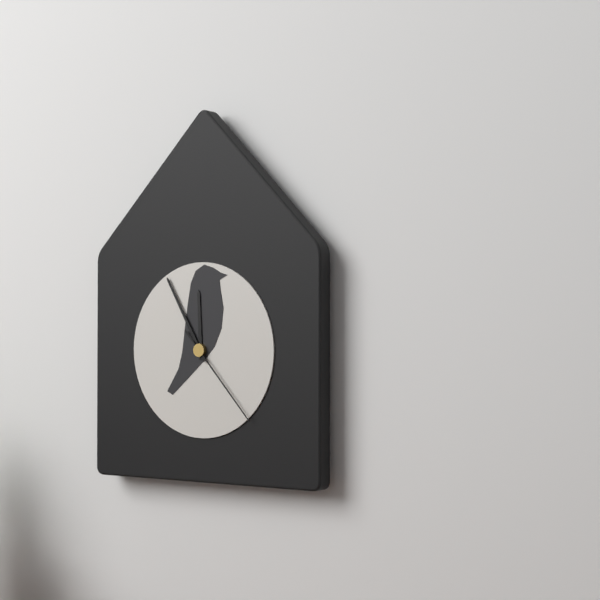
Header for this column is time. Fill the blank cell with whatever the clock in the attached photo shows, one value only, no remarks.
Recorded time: 11:55:23
